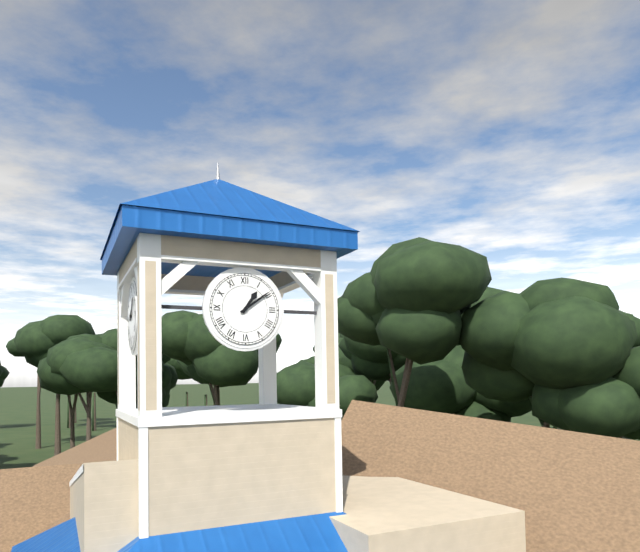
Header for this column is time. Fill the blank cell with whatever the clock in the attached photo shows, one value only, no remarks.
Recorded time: 1:09
